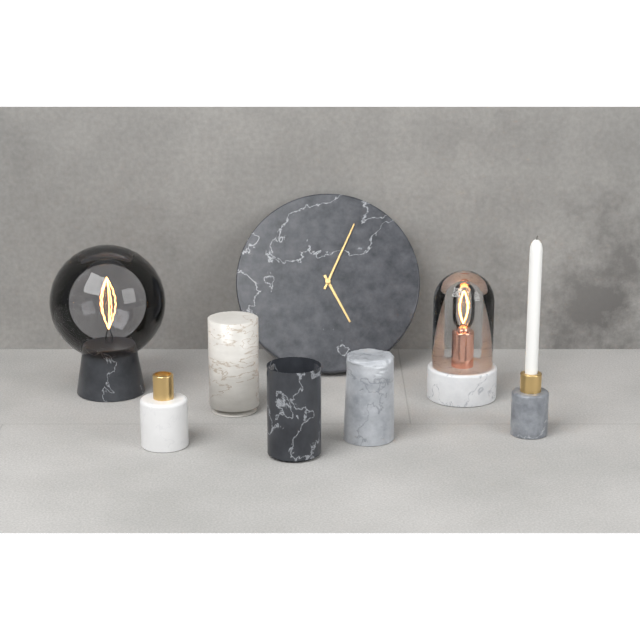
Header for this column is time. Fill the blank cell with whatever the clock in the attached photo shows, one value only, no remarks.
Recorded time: 5:04
